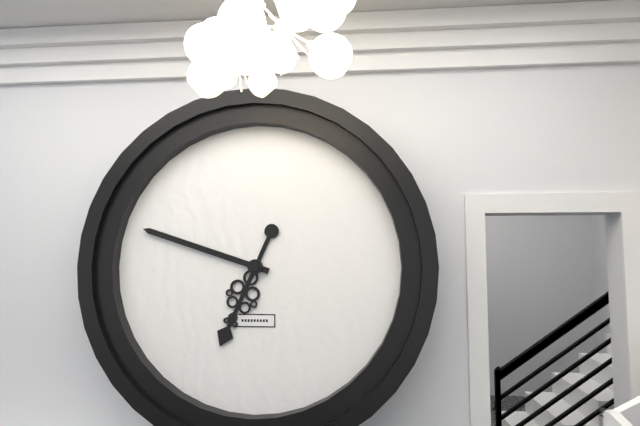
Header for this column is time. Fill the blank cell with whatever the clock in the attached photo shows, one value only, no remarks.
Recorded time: 6:48
